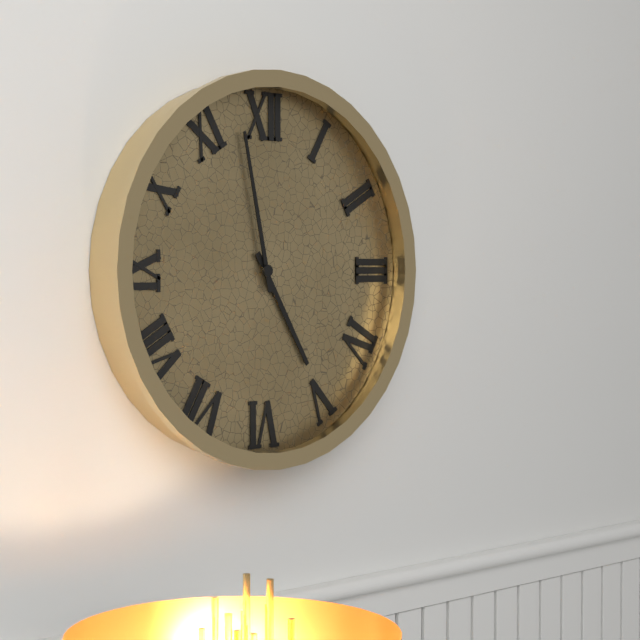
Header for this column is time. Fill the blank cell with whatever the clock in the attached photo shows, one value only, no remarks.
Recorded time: 4:58
